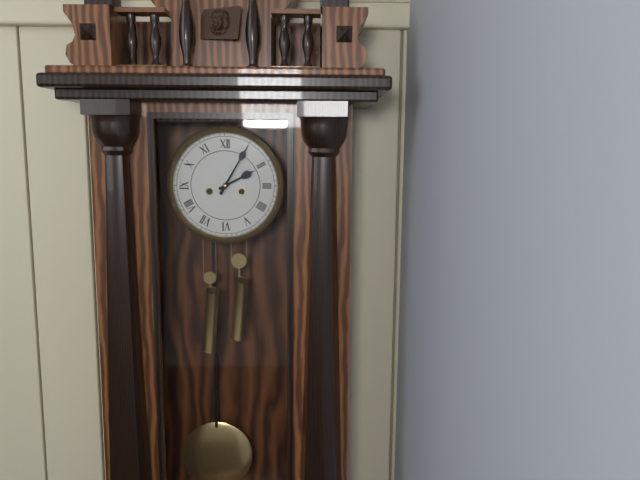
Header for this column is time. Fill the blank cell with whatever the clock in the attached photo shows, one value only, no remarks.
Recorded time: 2:05
